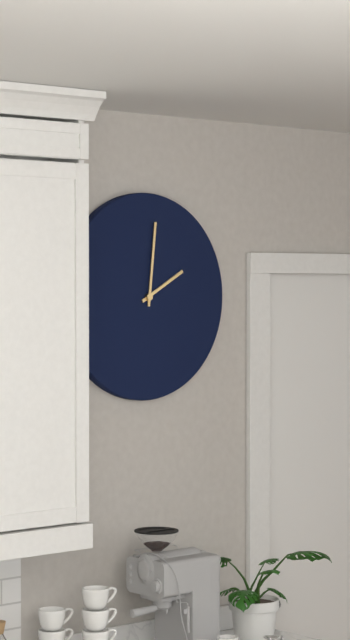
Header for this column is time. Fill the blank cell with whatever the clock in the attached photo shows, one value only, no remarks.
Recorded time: 2:01
